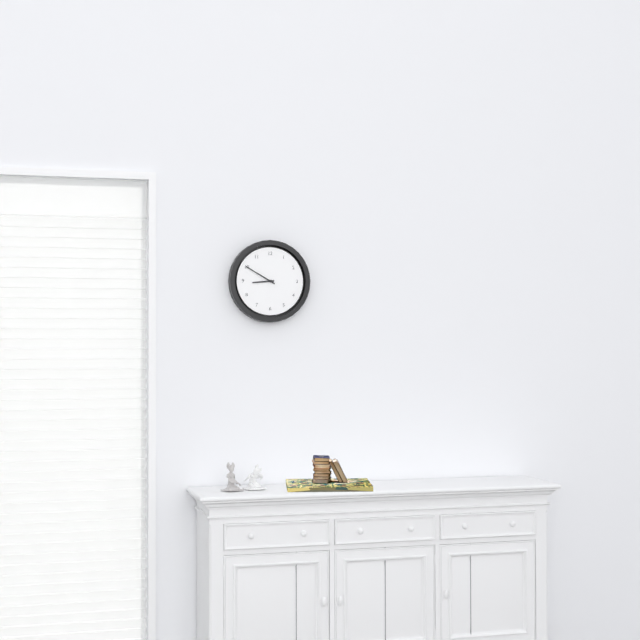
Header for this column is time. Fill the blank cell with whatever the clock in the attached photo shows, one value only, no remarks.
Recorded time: 8:50
